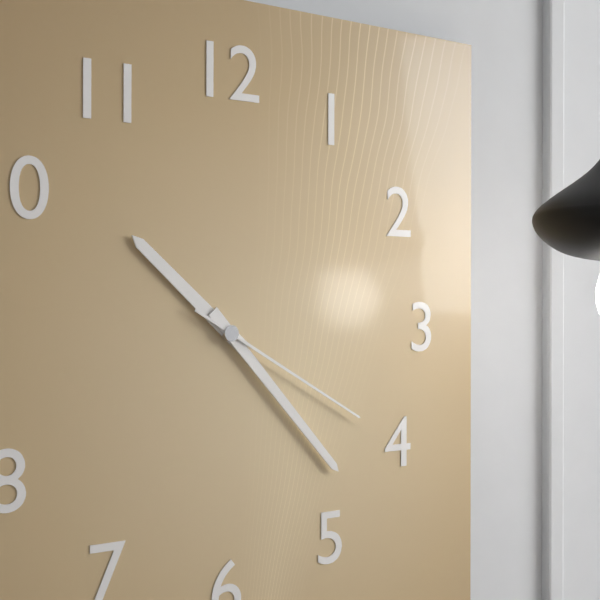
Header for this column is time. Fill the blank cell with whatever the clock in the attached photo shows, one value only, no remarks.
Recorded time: 10:23:20
